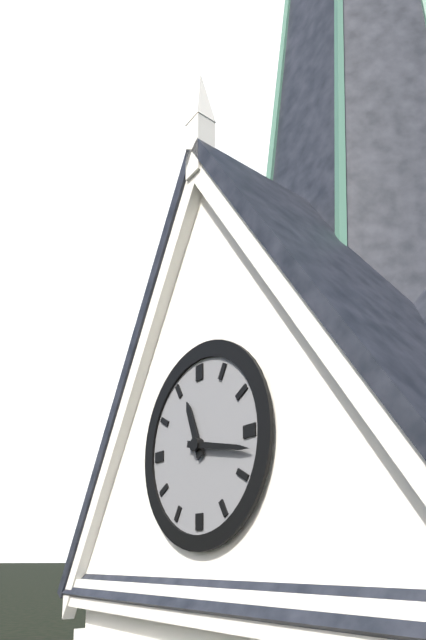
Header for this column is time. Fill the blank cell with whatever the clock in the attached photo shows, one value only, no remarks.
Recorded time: 11:17
